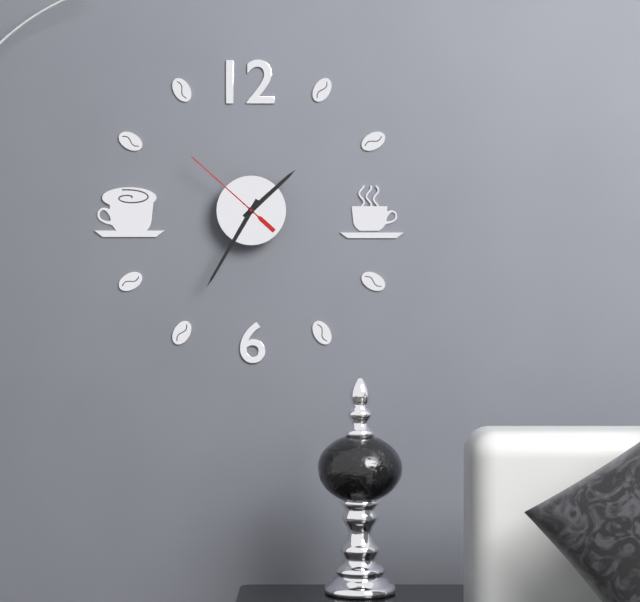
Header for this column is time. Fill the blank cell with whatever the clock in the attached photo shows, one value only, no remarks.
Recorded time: 1:35:52
